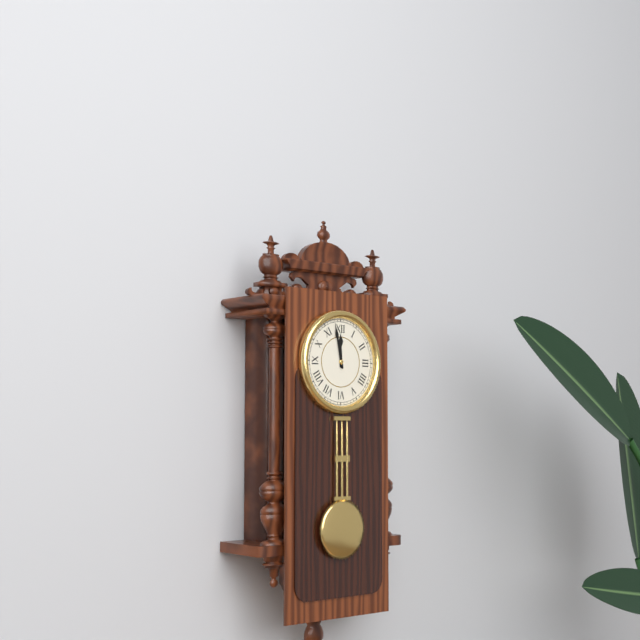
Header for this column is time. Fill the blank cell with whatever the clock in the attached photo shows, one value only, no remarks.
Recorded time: 11:58
